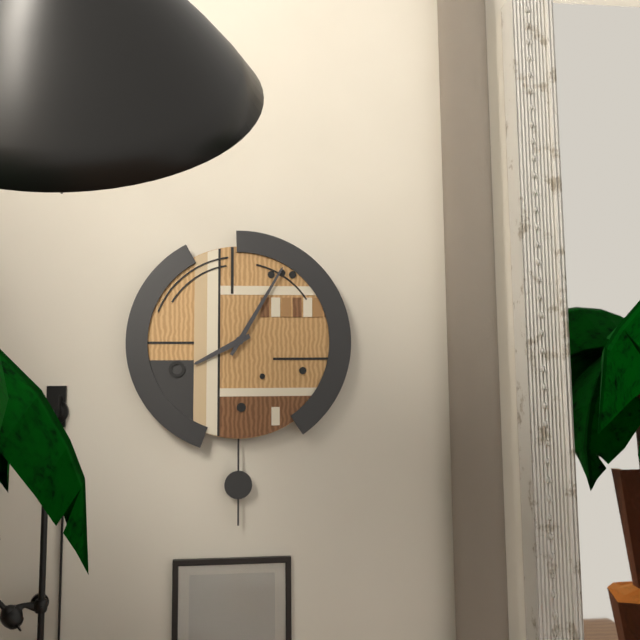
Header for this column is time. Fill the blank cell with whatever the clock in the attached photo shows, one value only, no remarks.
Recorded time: 8:05
